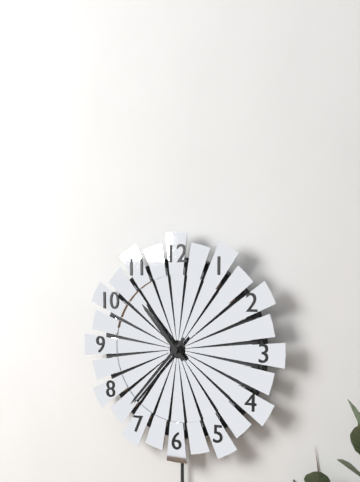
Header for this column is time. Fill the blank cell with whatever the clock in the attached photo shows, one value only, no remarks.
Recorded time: 10:37
